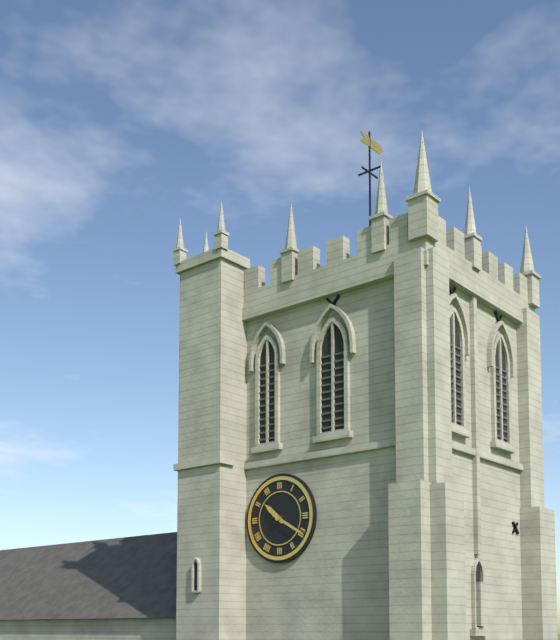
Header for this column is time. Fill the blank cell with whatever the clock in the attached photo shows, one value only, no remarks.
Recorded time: 10:20
